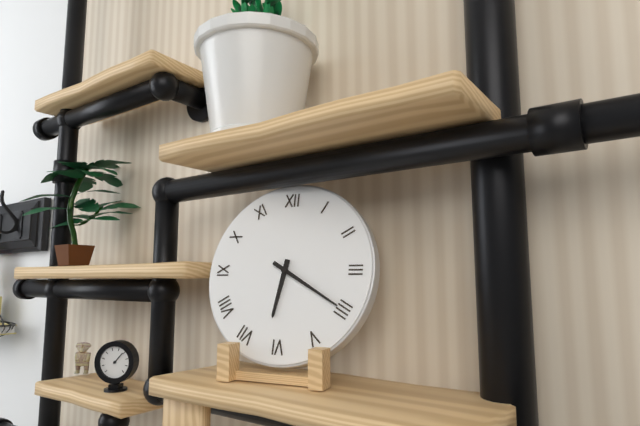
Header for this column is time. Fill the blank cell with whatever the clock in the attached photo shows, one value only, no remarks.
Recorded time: 6:20
